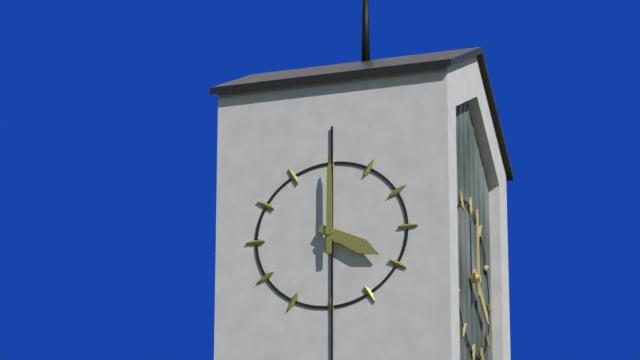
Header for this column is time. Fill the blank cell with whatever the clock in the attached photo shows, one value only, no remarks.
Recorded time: 4:00
